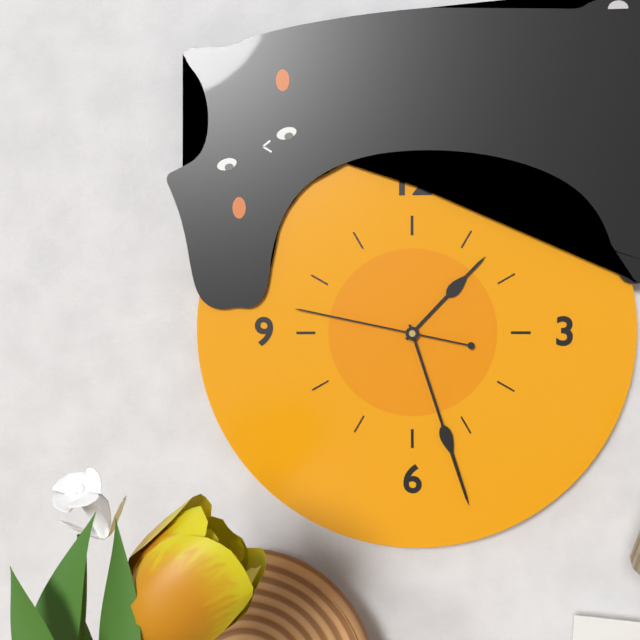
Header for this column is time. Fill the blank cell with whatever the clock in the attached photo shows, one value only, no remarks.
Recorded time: 1:27:47
